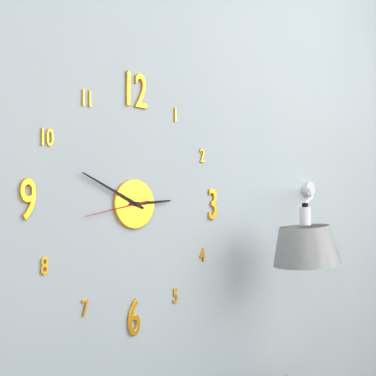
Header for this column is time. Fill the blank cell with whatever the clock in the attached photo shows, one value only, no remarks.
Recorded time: 2:49:43
